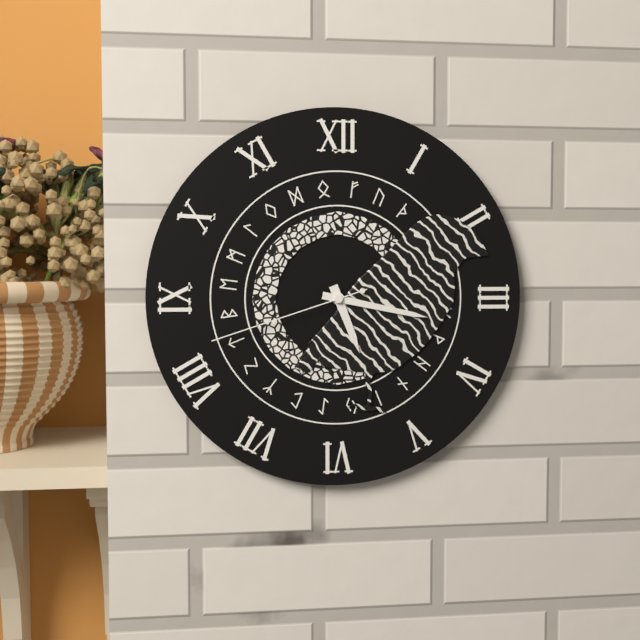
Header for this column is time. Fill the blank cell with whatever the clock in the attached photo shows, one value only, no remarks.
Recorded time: 5:17:42
